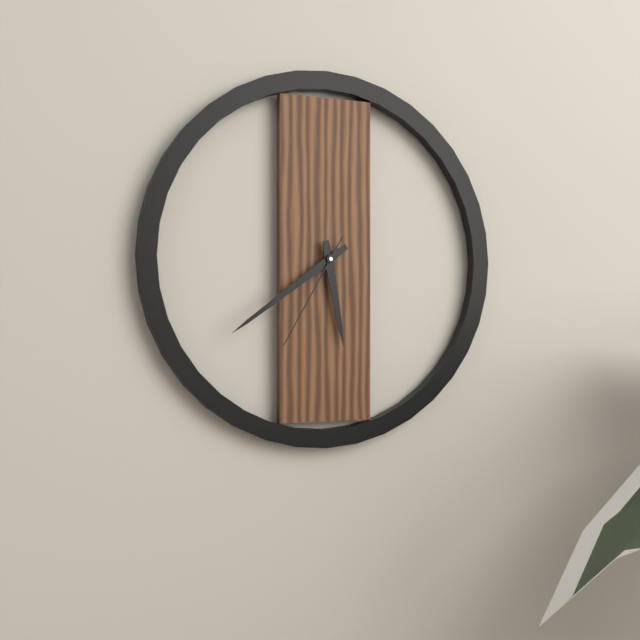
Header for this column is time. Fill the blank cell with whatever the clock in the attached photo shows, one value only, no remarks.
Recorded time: 5:39:35
